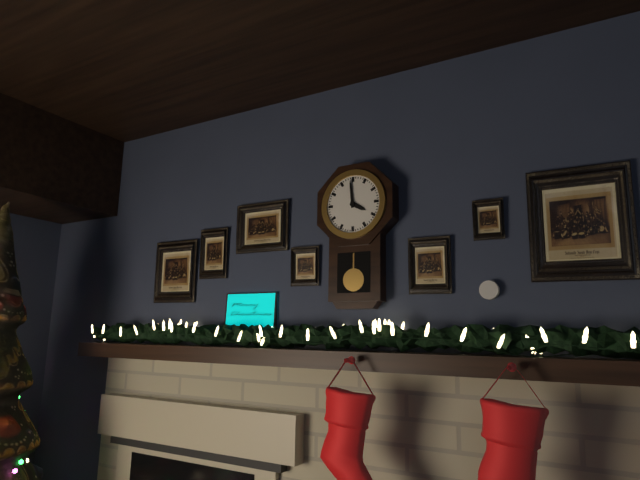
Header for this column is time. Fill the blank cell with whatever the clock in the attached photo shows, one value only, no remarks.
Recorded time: 3:59
